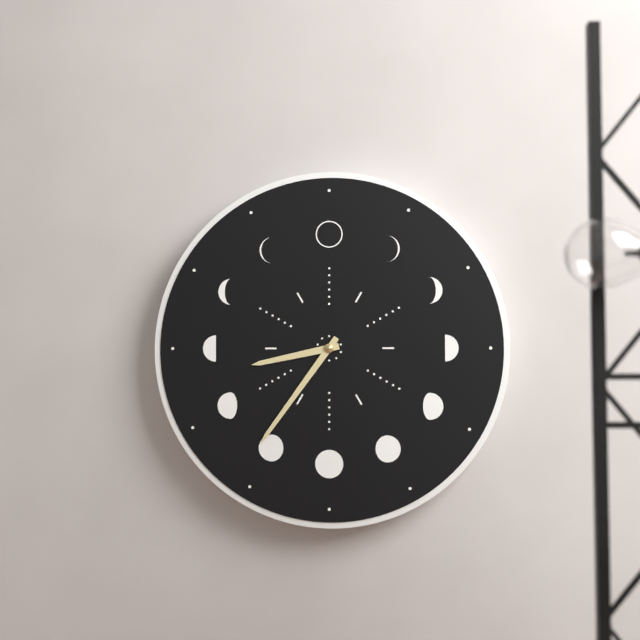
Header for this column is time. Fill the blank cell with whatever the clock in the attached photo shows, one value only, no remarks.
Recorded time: 8:36
